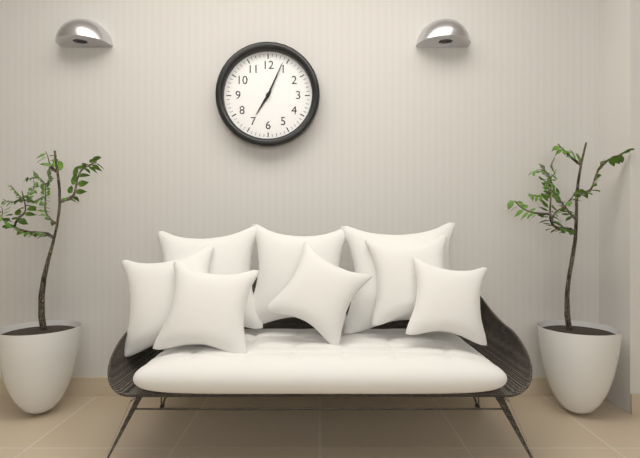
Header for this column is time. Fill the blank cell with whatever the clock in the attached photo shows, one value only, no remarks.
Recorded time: 7:04
